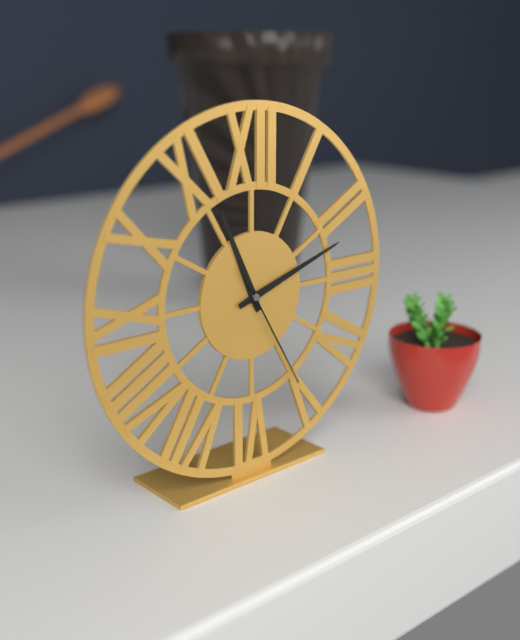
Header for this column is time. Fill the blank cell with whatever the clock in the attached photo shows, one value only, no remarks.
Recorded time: 11:12:25
